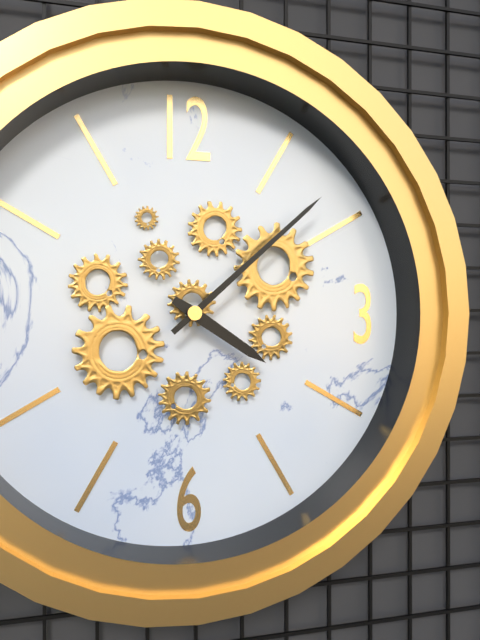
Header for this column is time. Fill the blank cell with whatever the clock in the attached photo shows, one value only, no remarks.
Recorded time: 4:08
